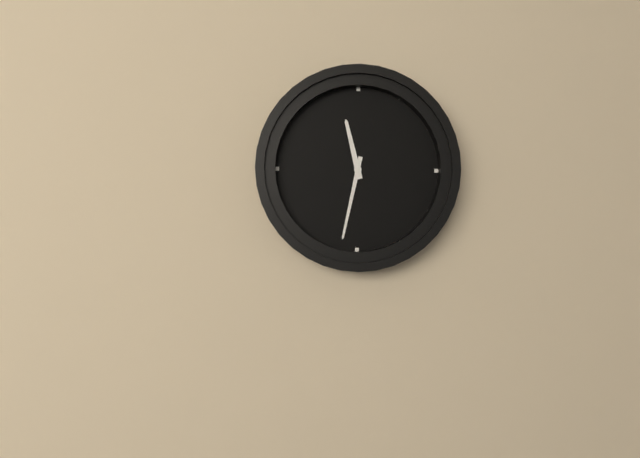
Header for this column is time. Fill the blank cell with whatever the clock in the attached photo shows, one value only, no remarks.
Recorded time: 11:32
